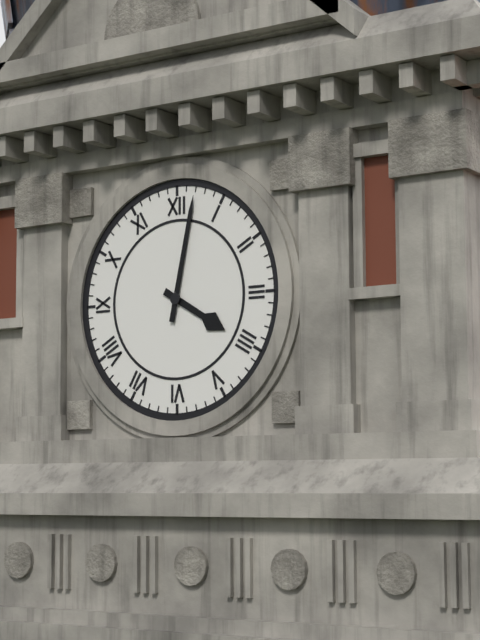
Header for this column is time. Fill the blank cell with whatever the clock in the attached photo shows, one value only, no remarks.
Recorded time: 4:02
